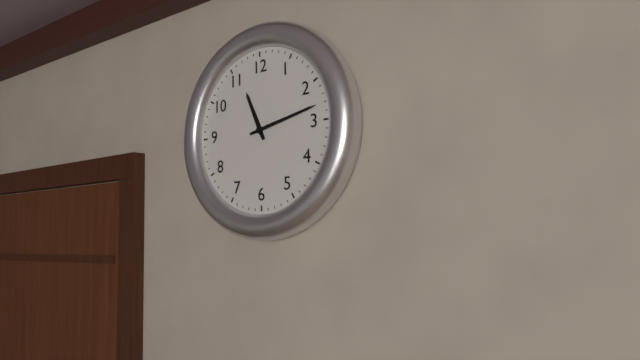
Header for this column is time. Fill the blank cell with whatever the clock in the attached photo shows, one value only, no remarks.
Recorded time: 11:13
